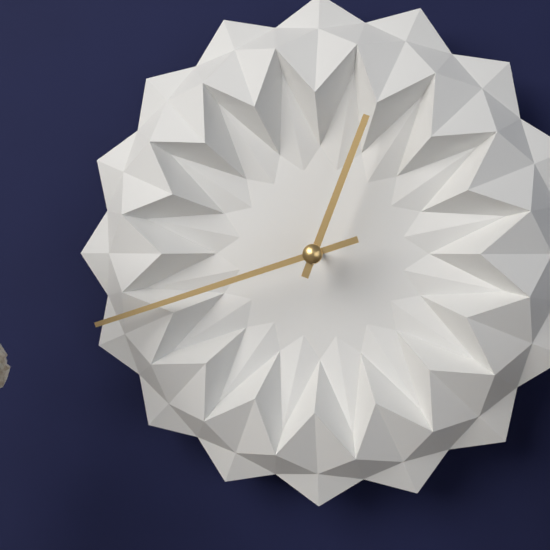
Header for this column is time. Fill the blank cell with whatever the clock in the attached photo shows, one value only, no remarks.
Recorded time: 12:42
